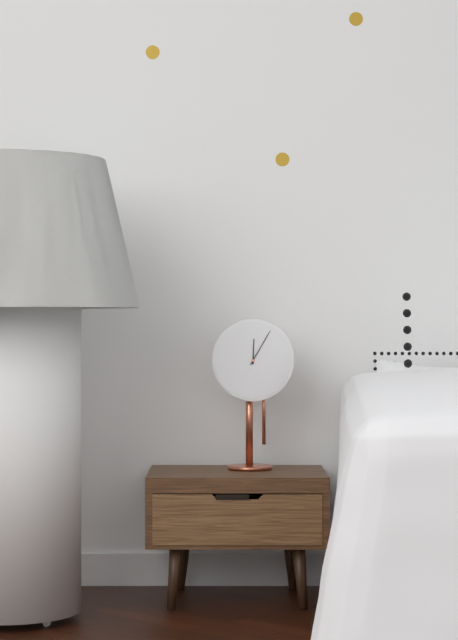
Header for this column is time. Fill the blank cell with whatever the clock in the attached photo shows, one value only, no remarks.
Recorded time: 12:05
